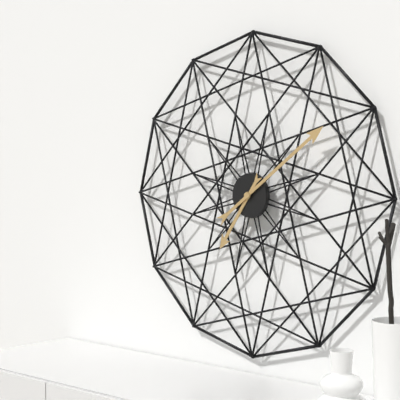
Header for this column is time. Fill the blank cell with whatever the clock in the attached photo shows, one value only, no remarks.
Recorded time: 7:09
